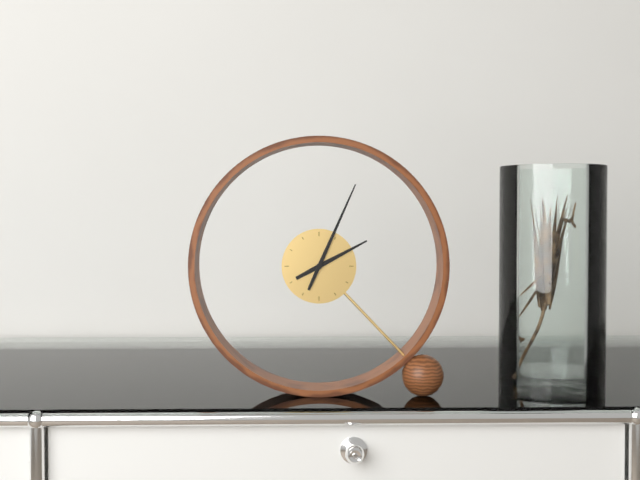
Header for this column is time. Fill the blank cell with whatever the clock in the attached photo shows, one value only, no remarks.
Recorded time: 2:04
